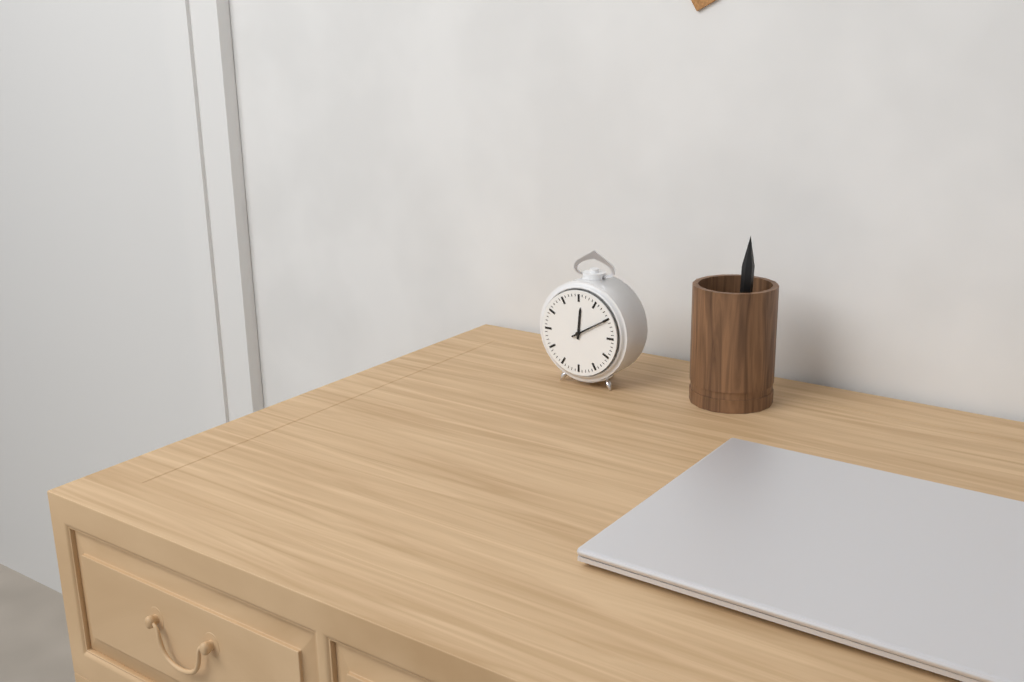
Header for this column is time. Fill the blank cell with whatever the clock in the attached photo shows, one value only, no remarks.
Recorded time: 12:10
